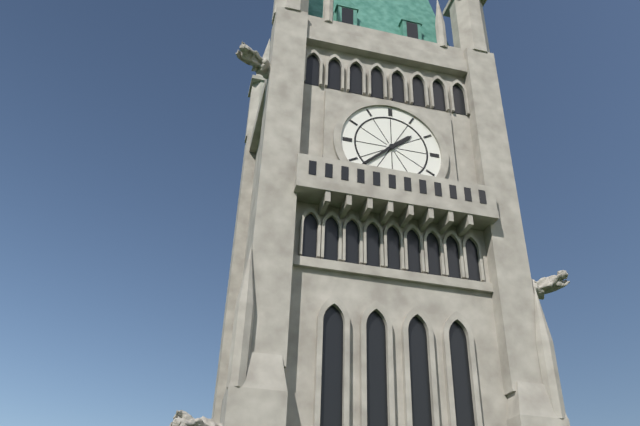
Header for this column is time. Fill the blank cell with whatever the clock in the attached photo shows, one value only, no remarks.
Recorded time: 1:38
